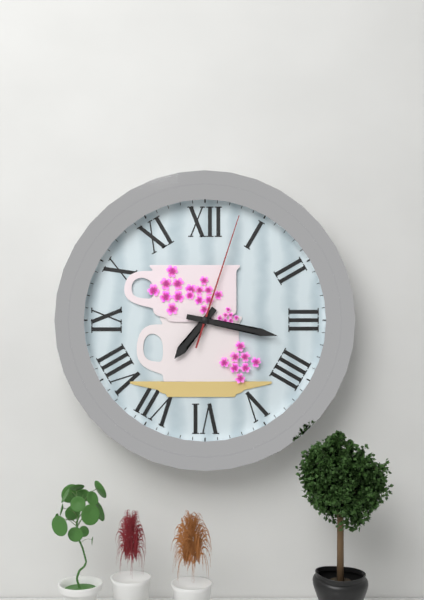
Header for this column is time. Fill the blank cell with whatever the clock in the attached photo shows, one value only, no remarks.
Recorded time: 7:17:03
